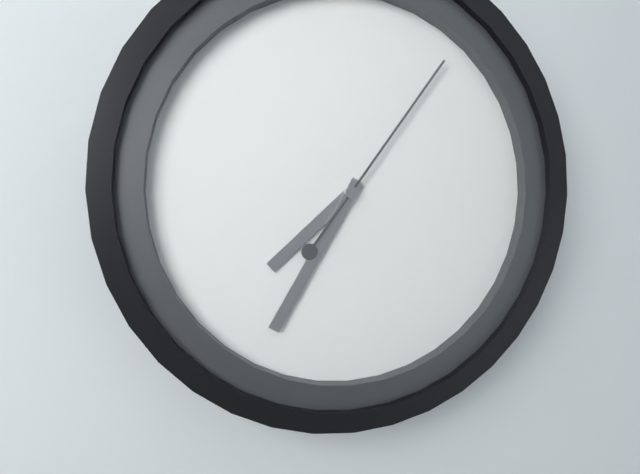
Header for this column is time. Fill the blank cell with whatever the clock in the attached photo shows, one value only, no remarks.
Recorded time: 7:35:06
